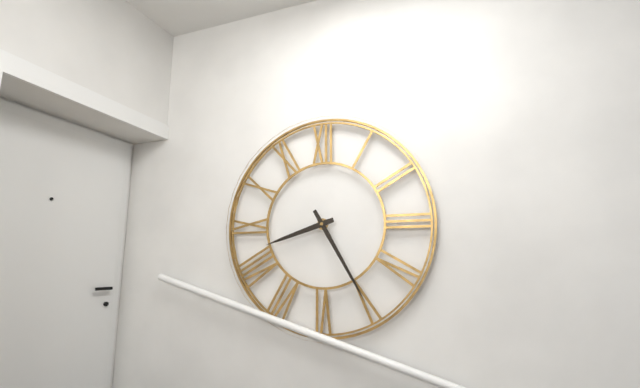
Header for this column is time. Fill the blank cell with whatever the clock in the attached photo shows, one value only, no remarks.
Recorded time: 8:25
